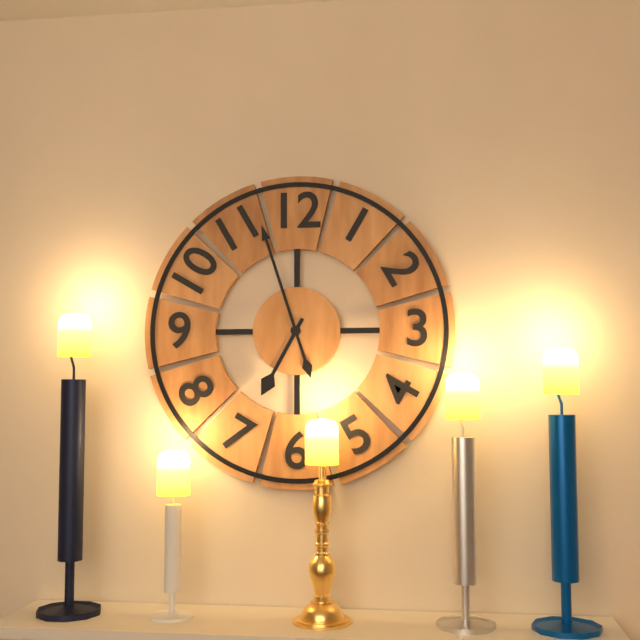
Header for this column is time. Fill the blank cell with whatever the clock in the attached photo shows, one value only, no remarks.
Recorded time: 6:57
